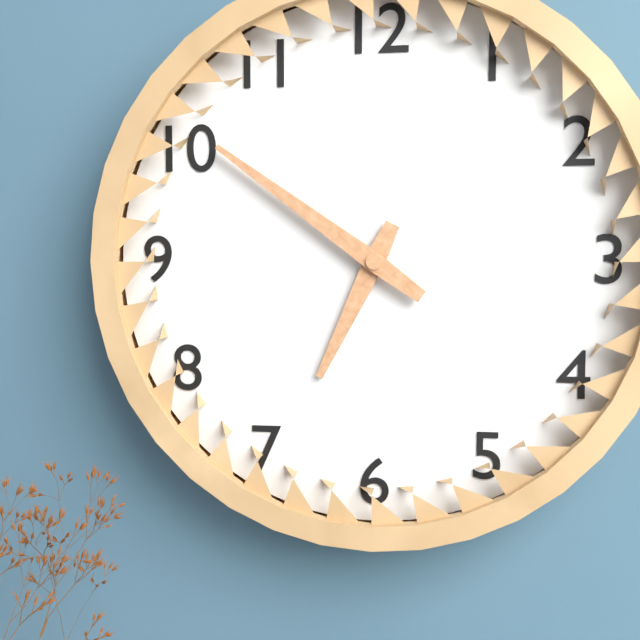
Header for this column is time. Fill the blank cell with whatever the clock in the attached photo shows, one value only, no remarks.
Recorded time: 6:51
